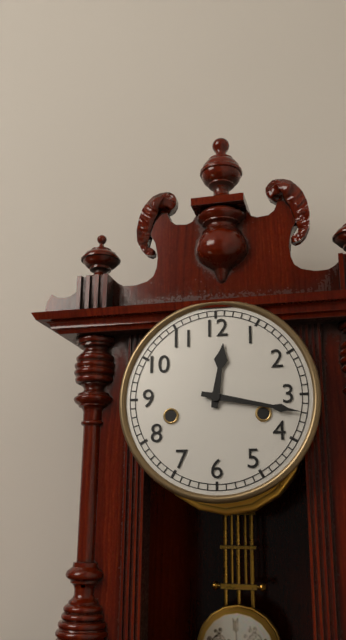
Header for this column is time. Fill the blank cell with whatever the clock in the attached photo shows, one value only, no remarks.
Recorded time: 12:17
